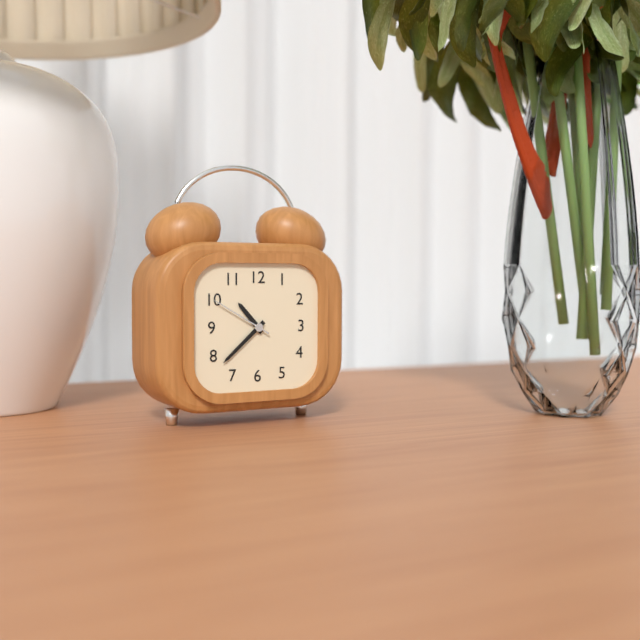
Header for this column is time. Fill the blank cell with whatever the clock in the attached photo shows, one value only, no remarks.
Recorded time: 10:38:50
